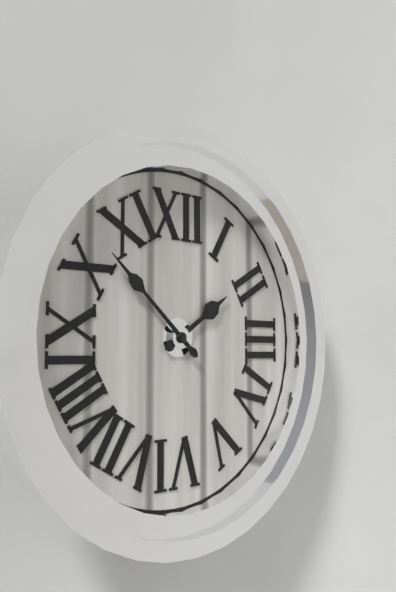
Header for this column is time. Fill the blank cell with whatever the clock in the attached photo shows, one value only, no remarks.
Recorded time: 1:52
